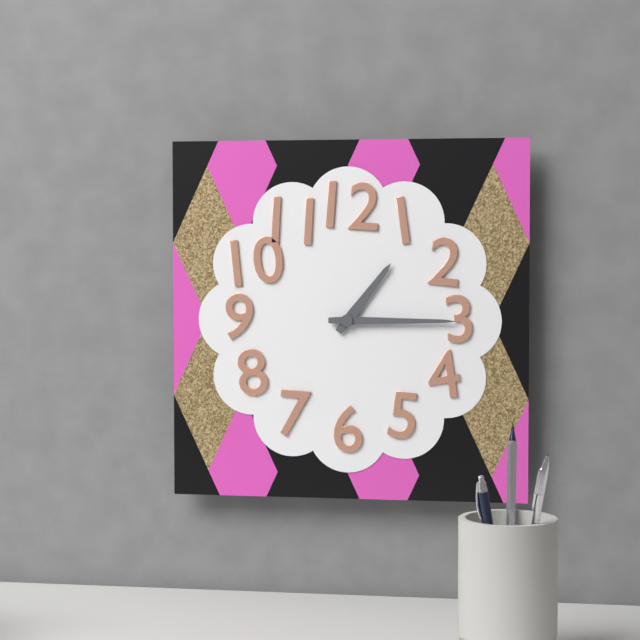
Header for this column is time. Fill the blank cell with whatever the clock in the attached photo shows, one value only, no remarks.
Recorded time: 1:15
